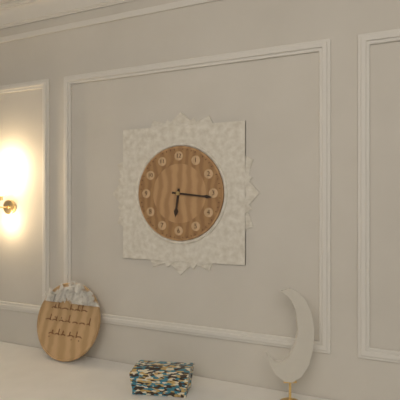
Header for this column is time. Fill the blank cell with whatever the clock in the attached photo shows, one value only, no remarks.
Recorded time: 6:16
